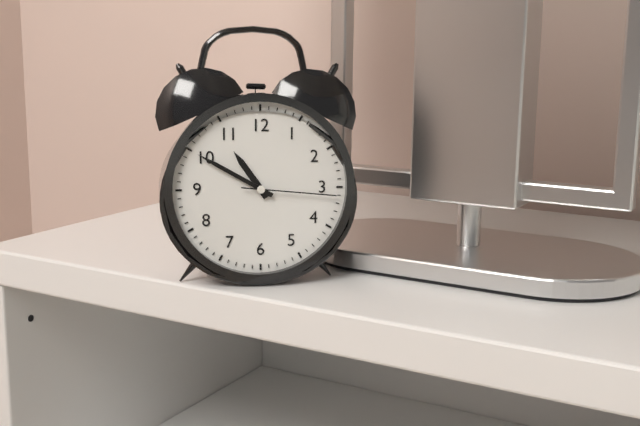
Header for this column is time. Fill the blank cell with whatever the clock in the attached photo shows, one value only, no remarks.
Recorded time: 10:50:16
